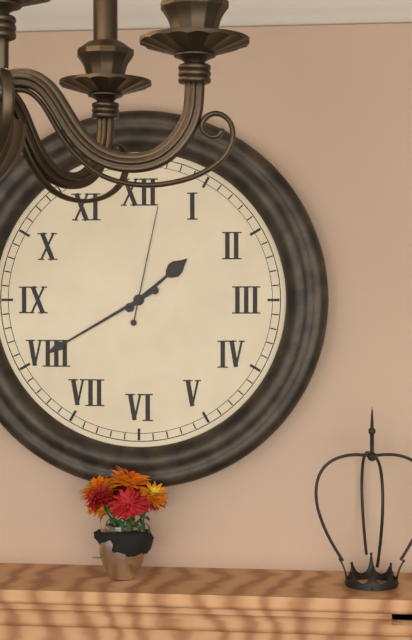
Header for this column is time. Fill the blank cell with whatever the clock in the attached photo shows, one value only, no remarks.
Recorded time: 1:40:02
